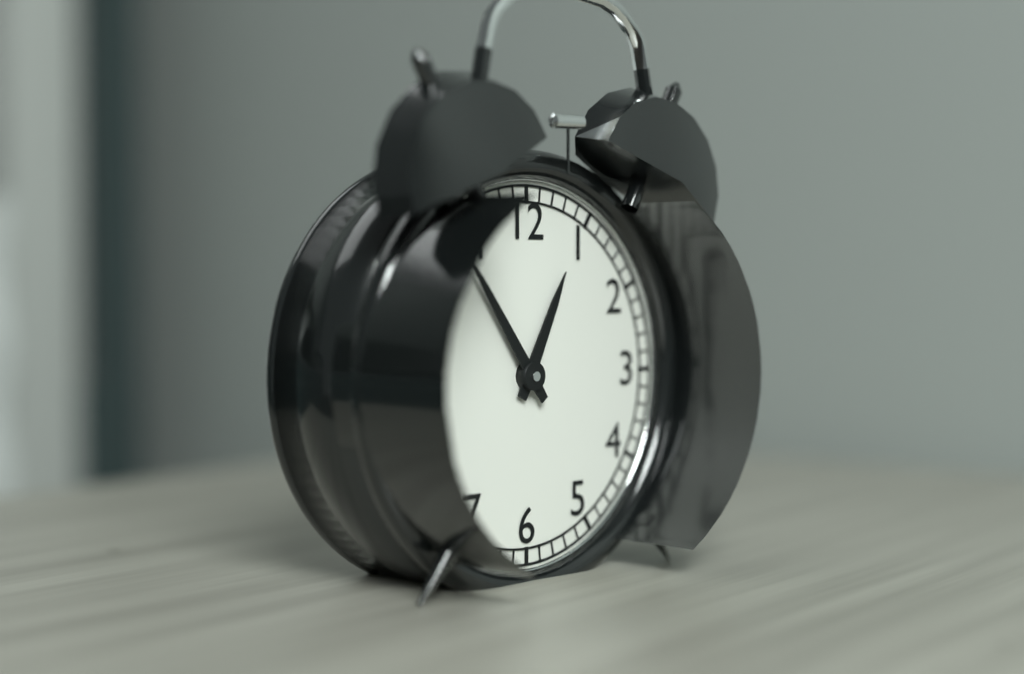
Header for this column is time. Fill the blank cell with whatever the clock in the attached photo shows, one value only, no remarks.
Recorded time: 12:54
